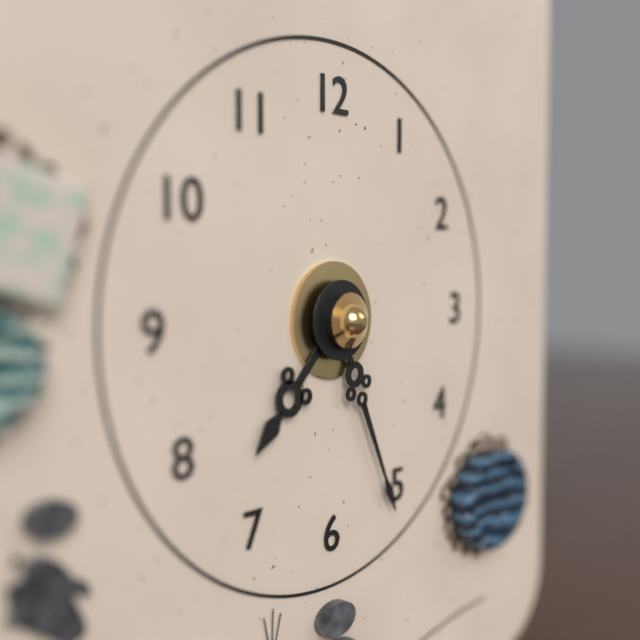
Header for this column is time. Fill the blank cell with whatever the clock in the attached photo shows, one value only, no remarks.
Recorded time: 7:26
